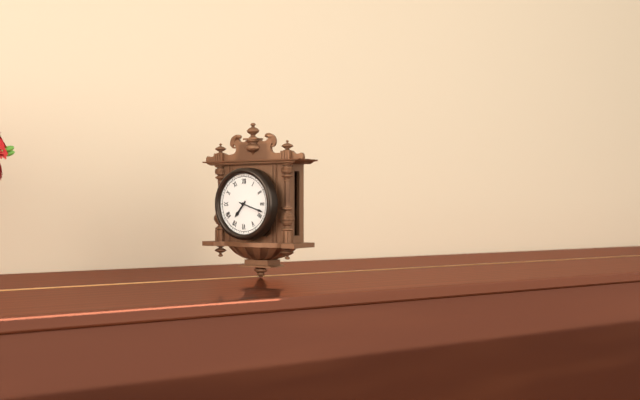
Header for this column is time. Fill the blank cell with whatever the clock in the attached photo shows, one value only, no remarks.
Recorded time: 7:18
